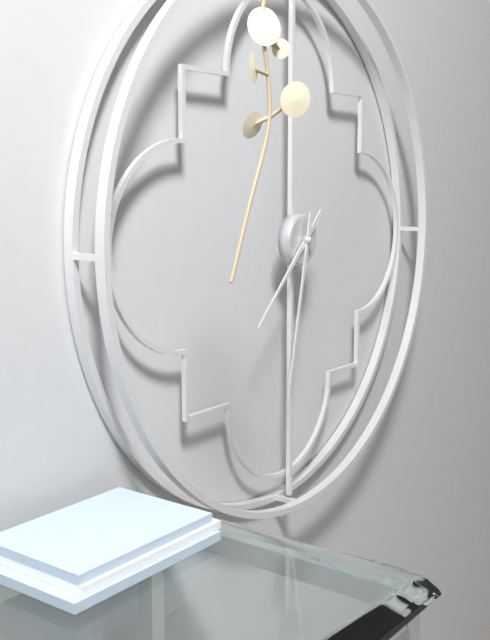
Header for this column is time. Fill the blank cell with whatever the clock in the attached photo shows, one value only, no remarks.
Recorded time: 7:32
